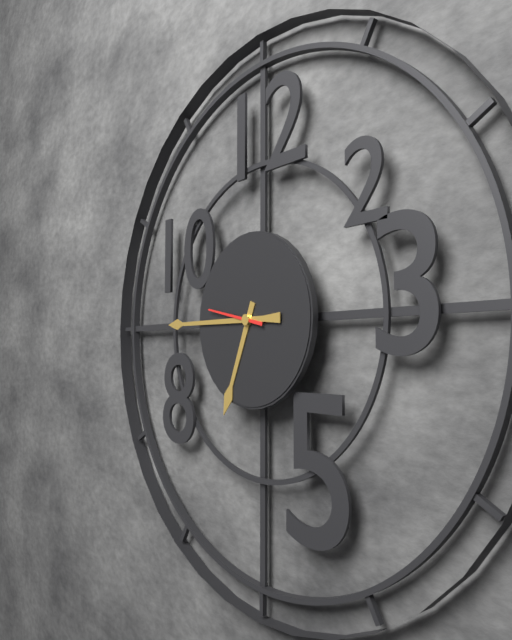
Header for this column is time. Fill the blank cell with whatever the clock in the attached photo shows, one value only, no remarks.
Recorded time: 6:45:47
